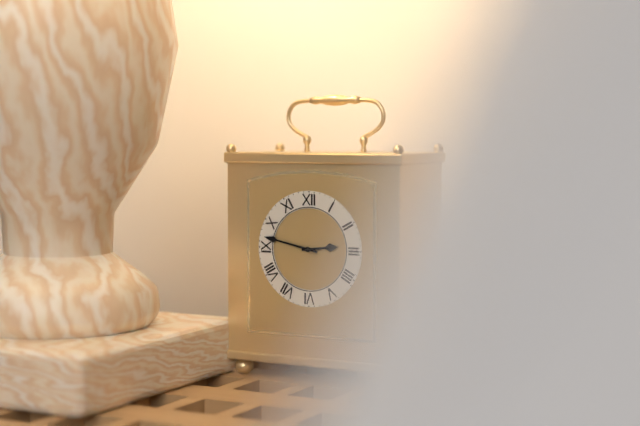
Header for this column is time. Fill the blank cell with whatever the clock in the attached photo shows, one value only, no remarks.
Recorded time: 2:47
